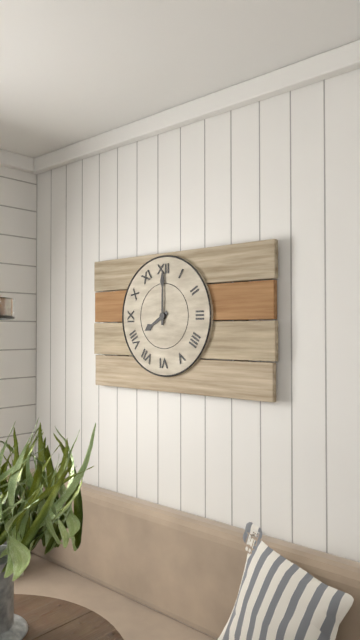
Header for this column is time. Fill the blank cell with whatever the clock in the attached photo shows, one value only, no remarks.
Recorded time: 8:00
